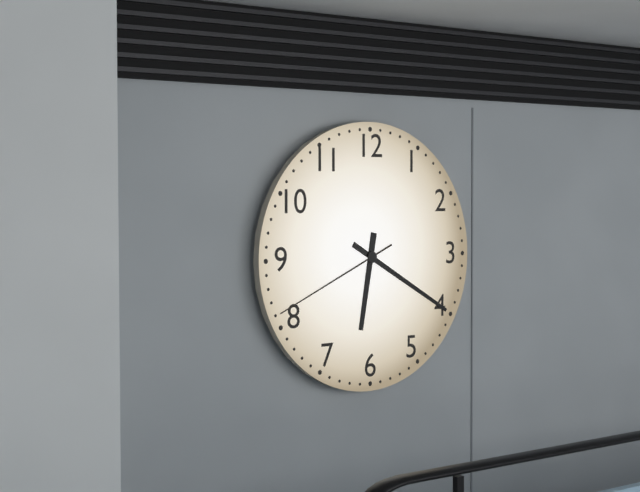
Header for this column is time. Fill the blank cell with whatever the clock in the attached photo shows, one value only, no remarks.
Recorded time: 6:20:41
